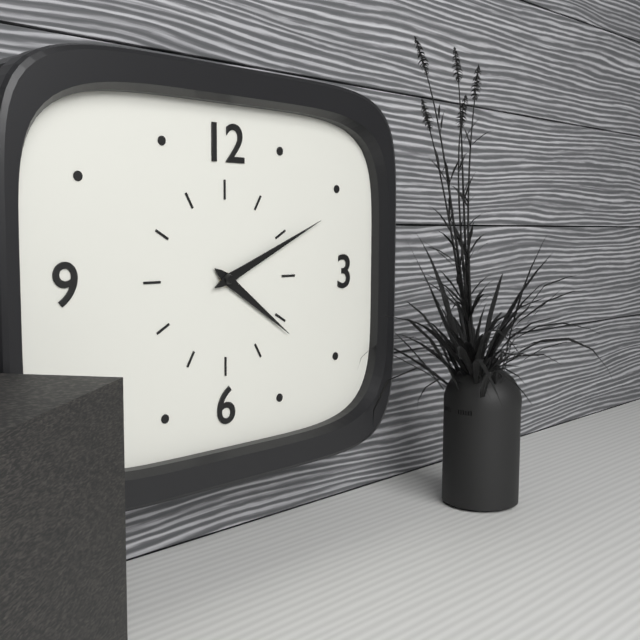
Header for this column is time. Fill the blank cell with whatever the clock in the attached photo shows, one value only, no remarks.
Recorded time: 4:11
